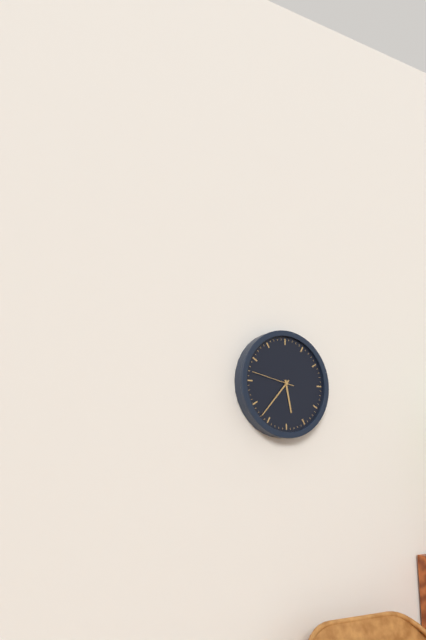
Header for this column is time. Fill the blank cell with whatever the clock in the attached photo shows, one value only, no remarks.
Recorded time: 5:37
